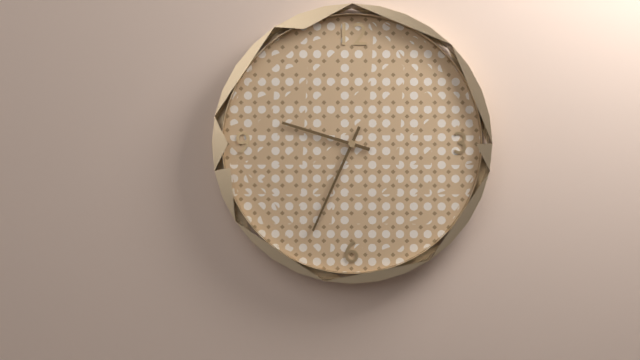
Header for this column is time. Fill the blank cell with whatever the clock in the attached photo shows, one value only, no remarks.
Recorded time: 9:34
